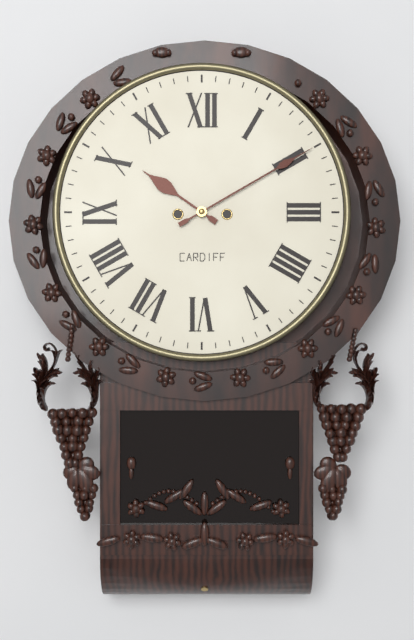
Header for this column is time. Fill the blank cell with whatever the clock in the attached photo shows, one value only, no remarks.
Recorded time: 10:10
